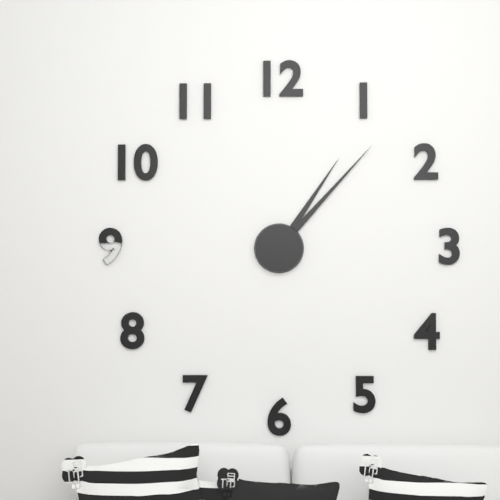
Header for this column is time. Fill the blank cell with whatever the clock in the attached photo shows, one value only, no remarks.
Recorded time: 1:07
